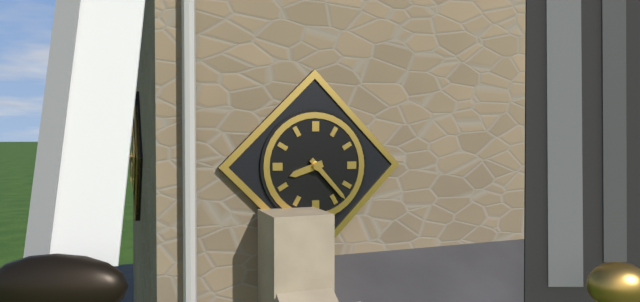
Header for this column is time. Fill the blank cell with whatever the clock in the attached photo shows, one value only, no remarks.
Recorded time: 8:23
